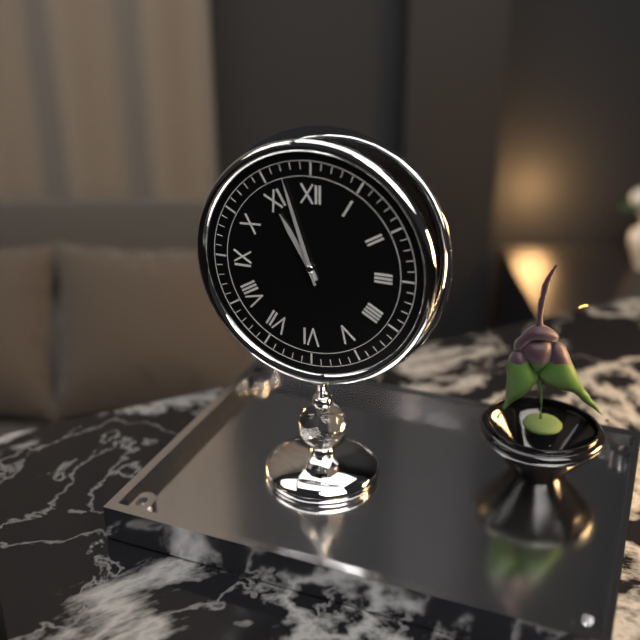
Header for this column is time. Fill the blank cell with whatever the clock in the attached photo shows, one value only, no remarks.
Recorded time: 10:57
